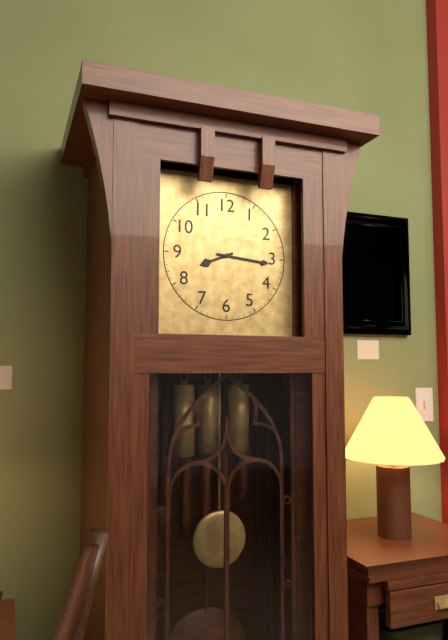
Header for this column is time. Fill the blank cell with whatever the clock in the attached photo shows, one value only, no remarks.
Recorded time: 8:16
